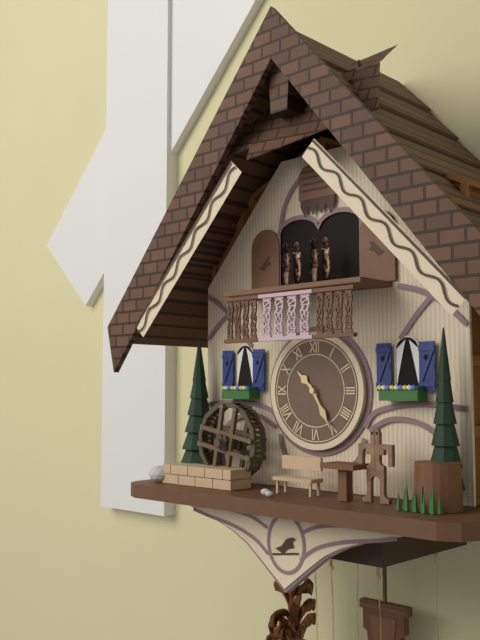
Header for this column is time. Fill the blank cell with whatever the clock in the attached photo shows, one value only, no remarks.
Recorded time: 10:25
